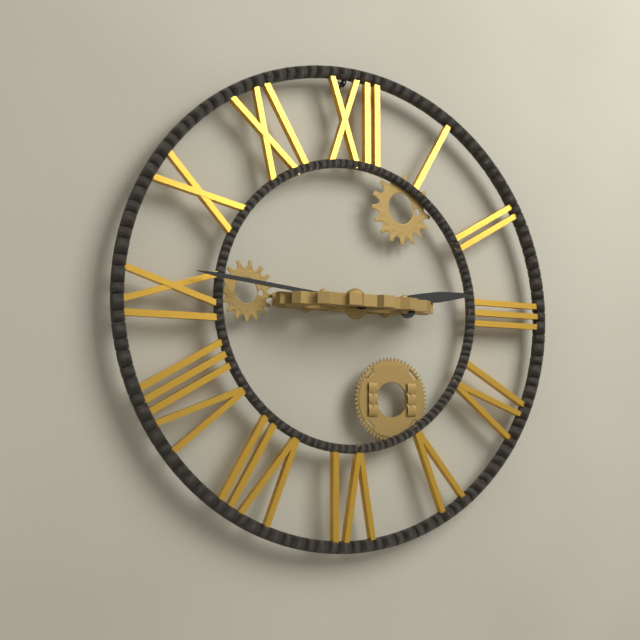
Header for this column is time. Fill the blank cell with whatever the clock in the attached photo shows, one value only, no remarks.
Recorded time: 2:46
